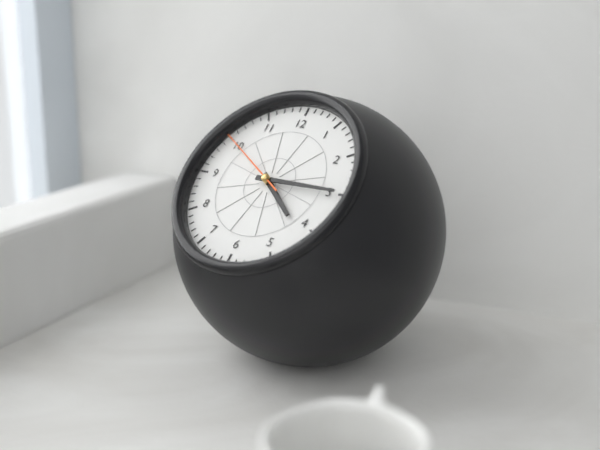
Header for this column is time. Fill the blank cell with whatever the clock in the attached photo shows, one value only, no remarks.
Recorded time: 4:15:50
